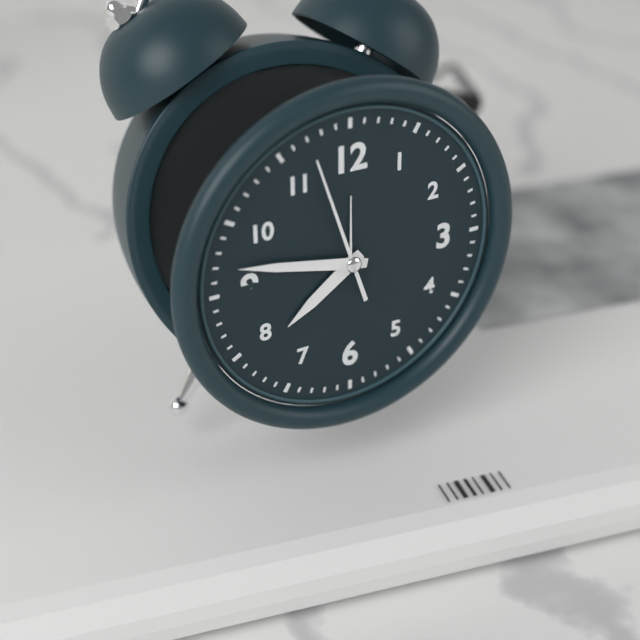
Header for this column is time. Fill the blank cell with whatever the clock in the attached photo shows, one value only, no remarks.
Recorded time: 7:47:57
